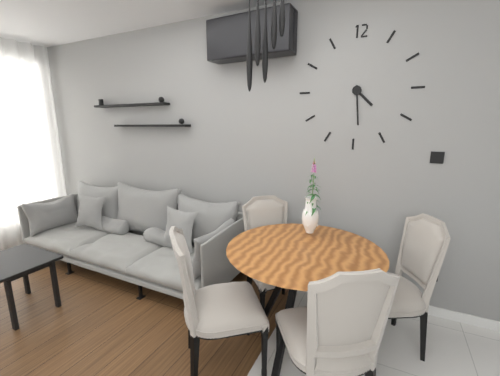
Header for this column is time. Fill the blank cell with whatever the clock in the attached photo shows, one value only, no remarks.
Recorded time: 4:29
